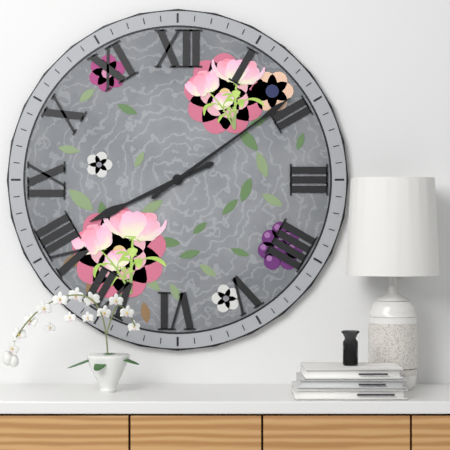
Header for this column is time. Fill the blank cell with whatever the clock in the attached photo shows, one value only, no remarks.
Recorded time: 8:09
